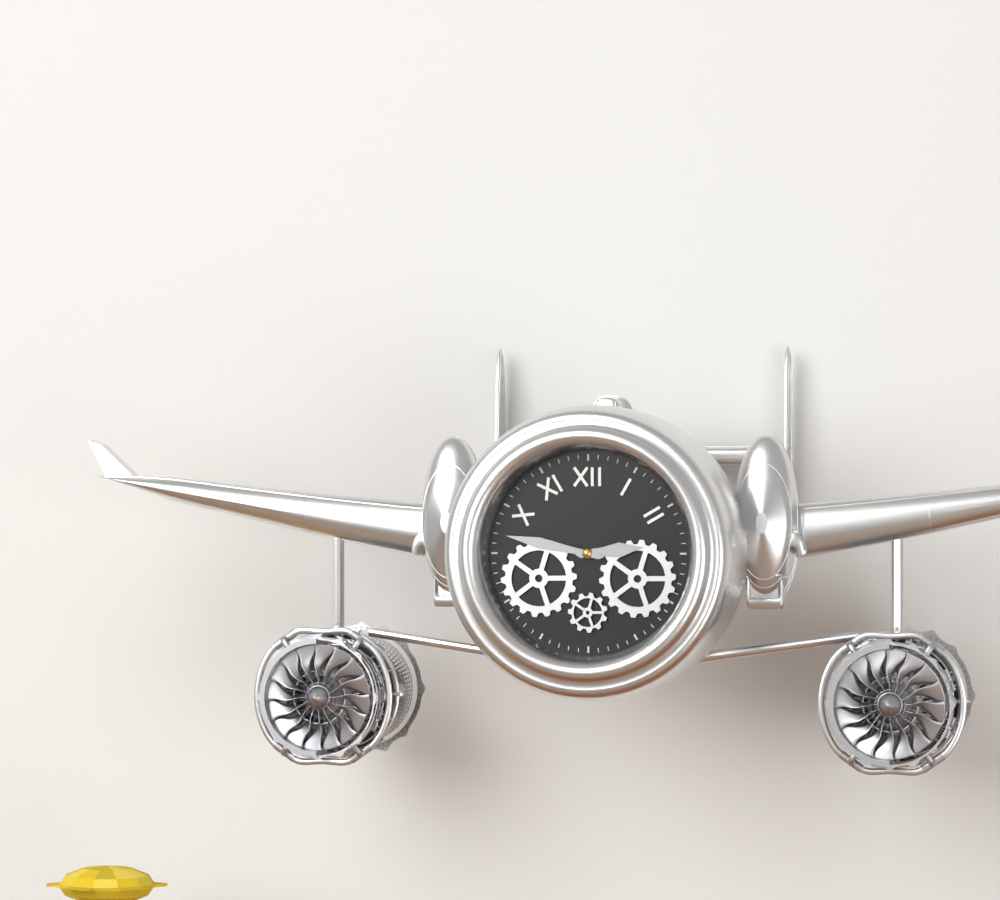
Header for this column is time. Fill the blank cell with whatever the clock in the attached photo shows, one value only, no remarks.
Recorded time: 2:47
